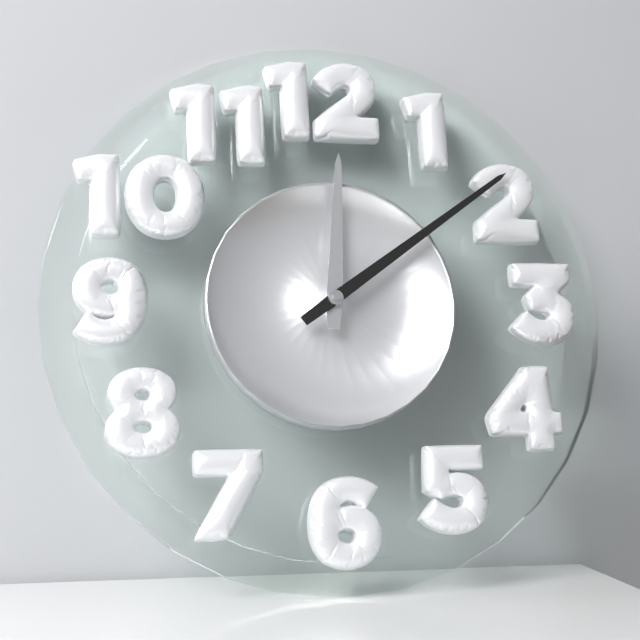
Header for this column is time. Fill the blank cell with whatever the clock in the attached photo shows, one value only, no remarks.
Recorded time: 12:09
